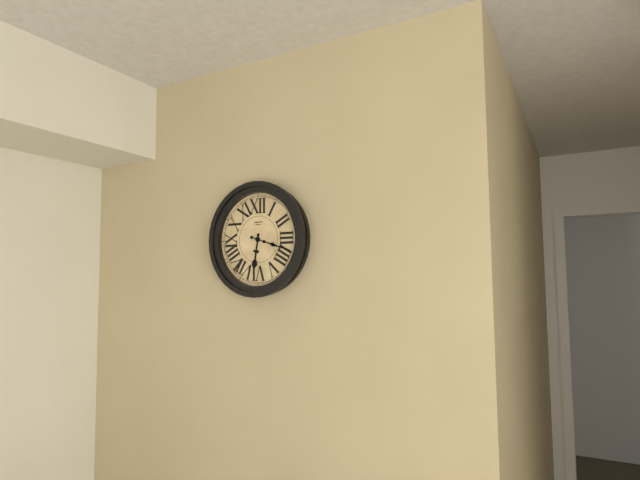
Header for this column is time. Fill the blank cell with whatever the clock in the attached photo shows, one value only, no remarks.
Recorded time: 6:18
